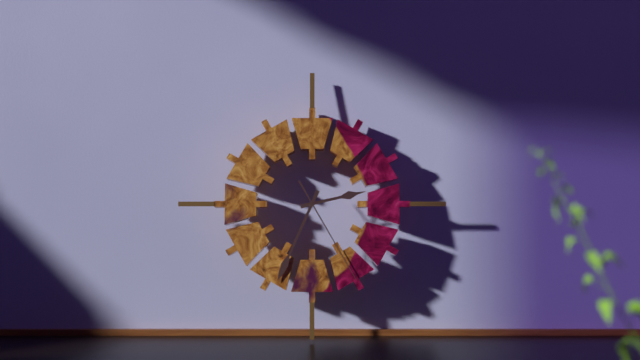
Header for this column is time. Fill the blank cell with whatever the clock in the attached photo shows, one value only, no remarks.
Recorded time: 2:34:25
